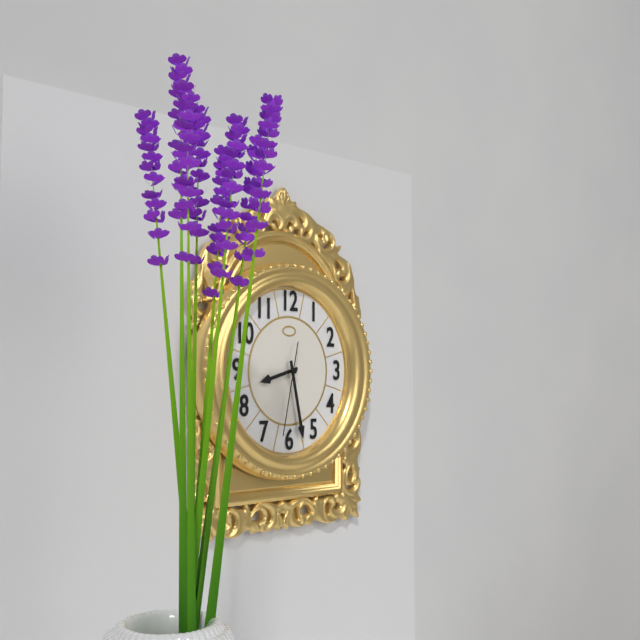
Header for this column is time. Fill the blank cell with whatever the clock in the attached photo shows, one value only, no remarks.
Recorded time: 8:28:32
